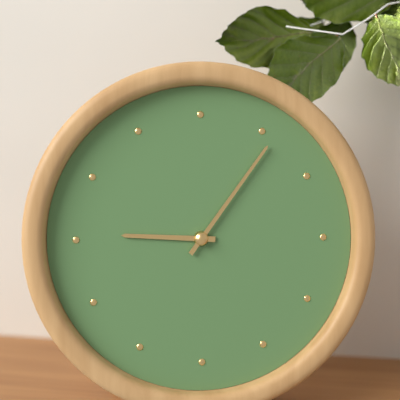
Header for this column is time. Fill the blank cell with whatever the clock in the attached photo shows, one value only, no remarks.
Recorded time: 9:06
